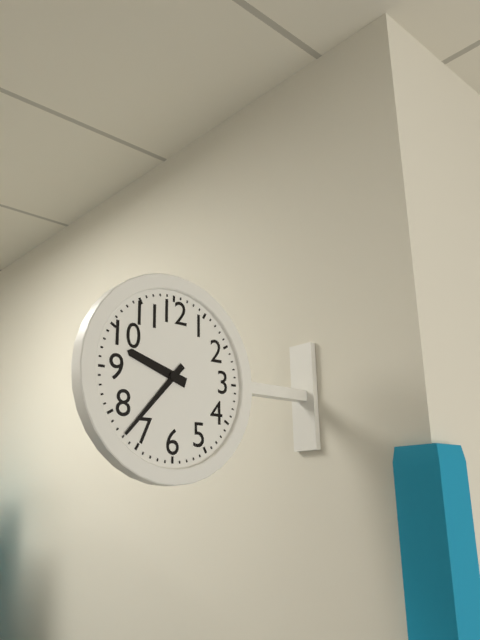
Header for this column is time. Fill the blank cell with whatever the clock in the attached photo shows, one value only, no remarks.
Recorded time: 9:37
